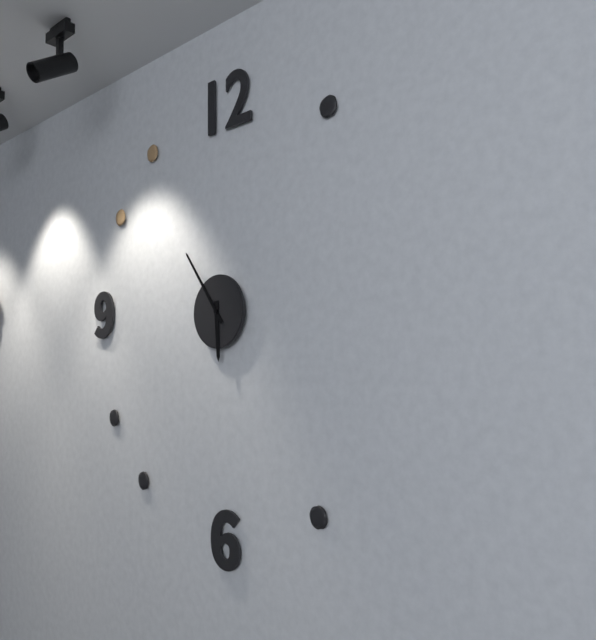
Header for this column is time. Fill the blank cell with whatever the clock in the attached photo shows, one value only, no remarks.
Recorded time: 5:54
